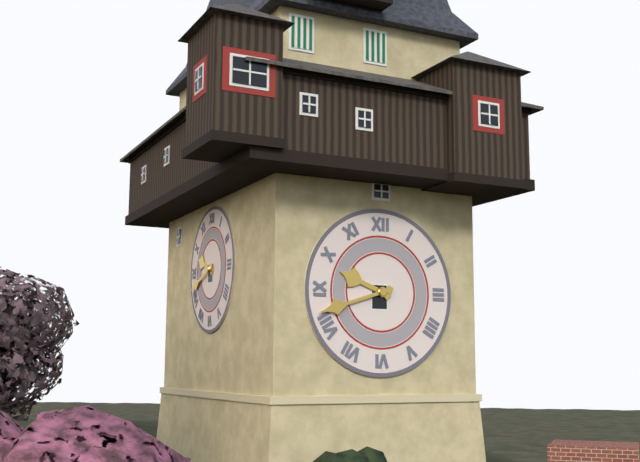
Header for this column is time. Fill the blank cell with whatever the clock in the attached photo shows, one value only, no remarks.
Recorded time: 9:42
